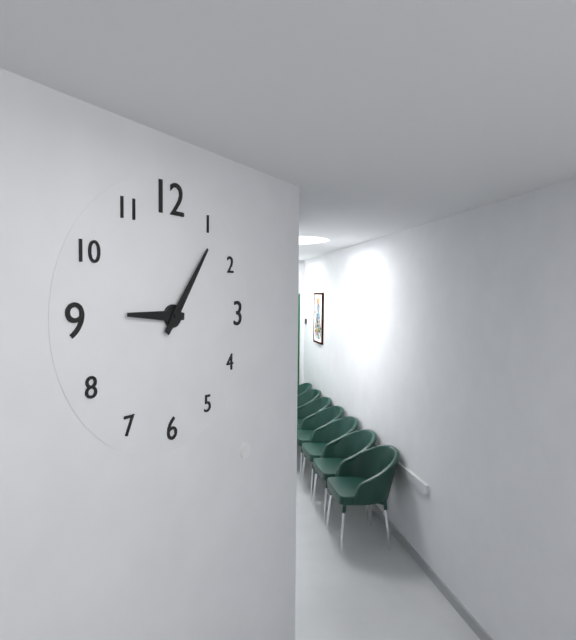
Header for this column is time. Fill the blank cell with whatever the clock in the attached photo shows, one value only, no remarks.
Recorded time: 9:06
